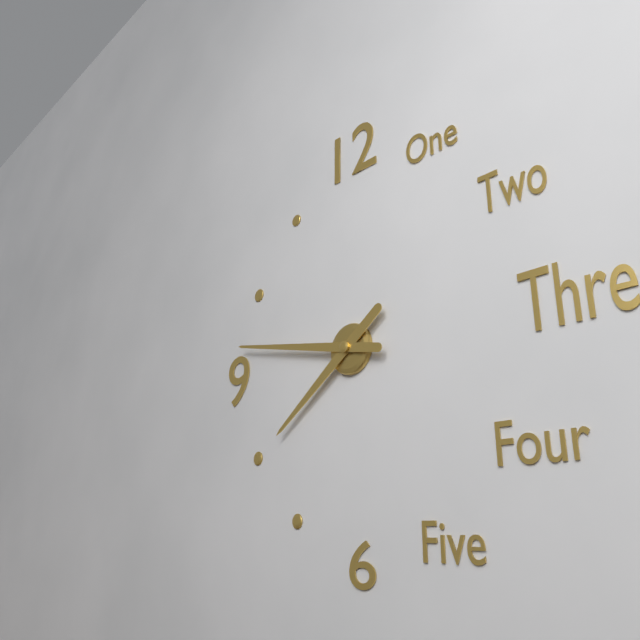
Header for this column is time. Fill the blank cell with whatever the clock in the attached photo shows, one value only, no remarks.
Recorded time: 7:47
